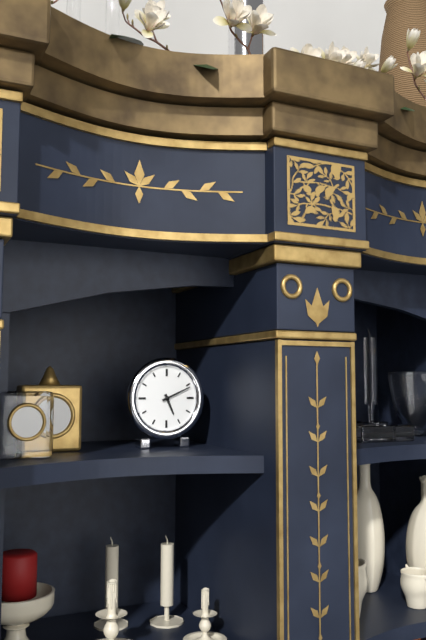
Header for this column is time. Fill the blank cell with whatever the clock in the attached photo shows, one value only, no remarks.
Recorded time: 5:11
